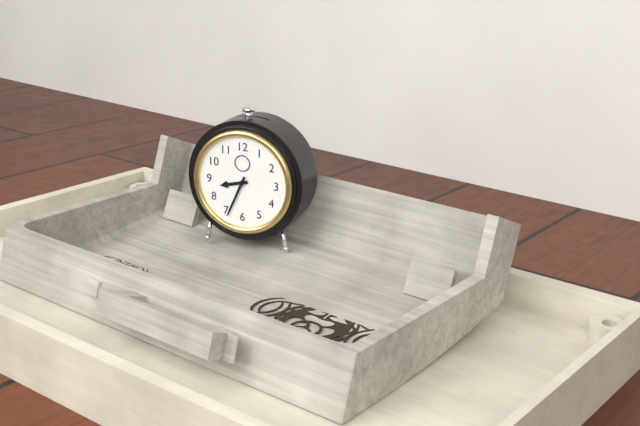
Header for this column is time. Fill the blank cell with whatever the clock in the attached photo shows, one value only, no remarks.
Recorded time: 8:34
